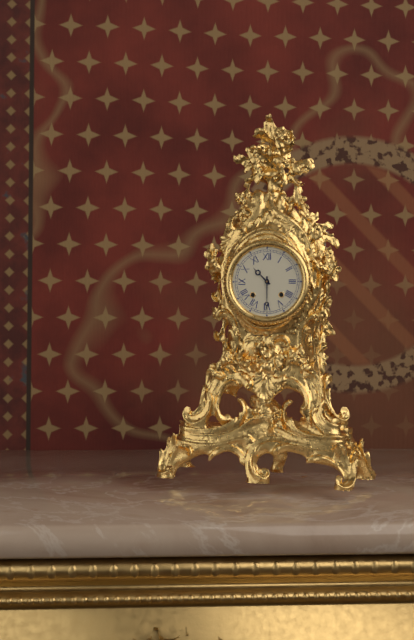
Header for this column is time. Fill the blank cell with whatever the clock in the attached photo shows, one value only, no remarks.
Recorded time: 10:30
